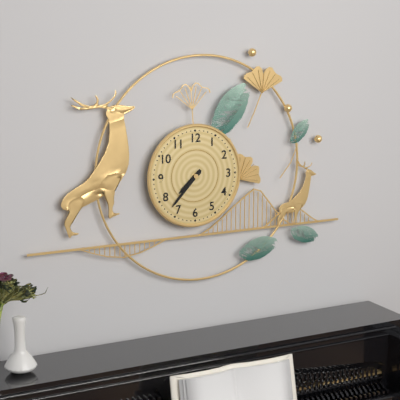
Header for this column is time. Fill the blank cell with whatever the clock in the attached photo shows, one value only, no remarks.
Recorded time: 7:37
